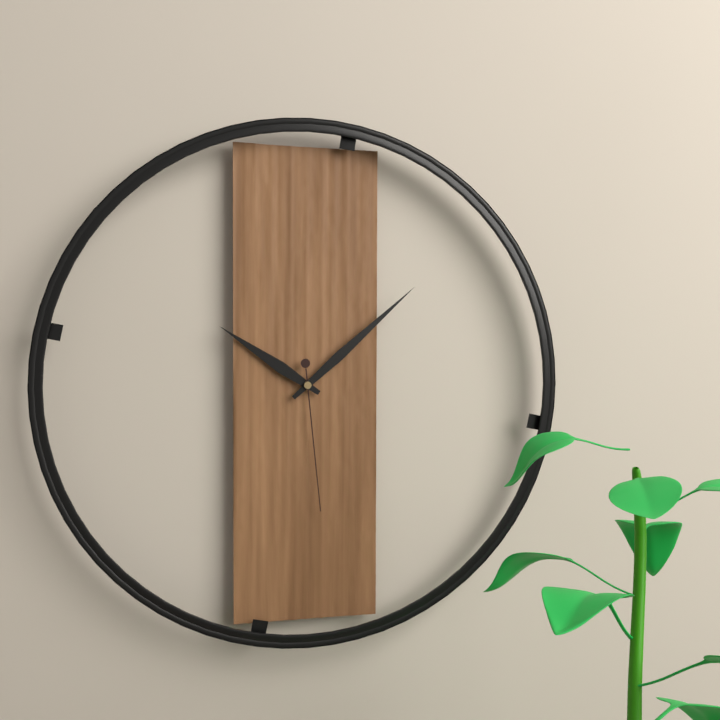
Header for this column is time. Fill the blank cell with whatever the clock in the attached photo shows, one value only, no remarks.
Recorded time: 10:08:29
